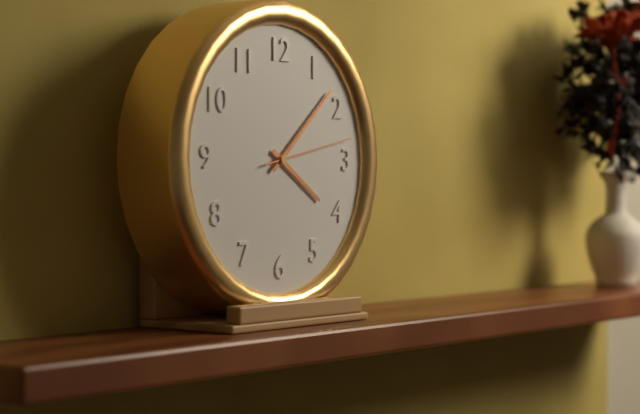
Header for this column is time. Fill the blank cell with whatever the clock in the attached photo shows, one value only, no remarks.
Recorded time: 4:08:13
